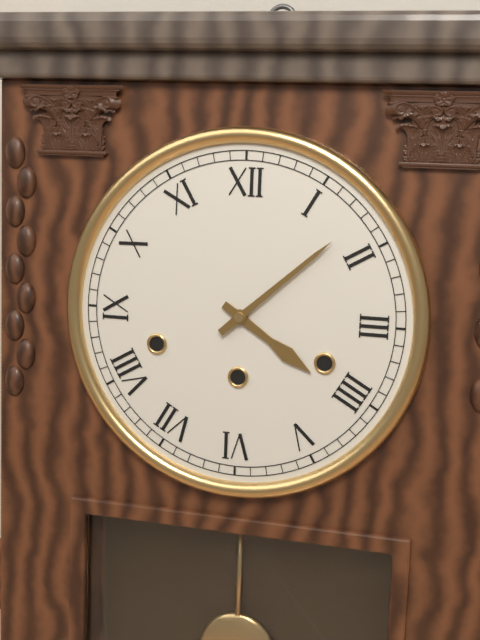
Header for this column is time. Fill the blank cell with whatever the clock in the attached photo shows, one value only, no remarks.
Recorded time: 4:08
